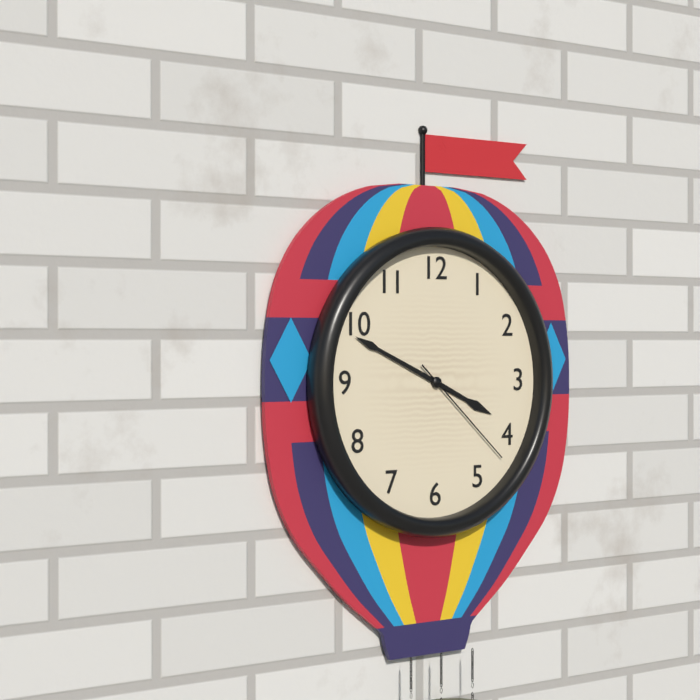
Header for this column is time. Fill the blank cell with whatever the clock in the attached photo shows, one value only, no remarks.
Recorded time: 3:49:22
